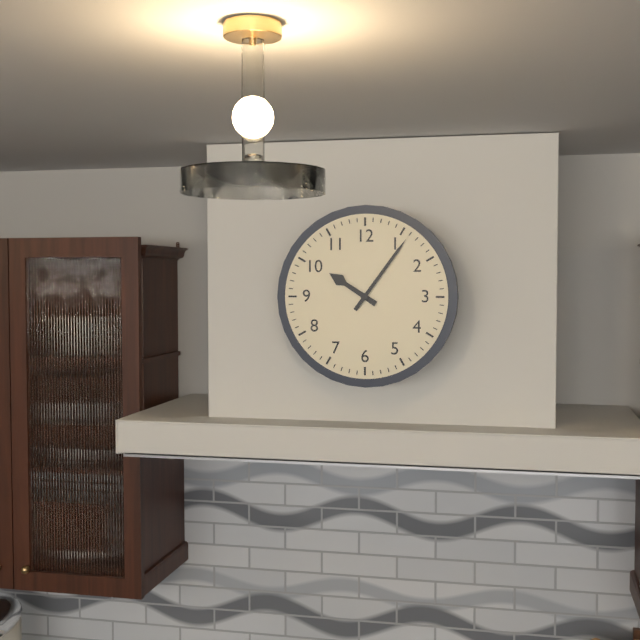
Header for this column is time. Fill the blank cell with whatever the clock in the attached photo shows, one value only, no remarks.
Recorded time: 10:06
